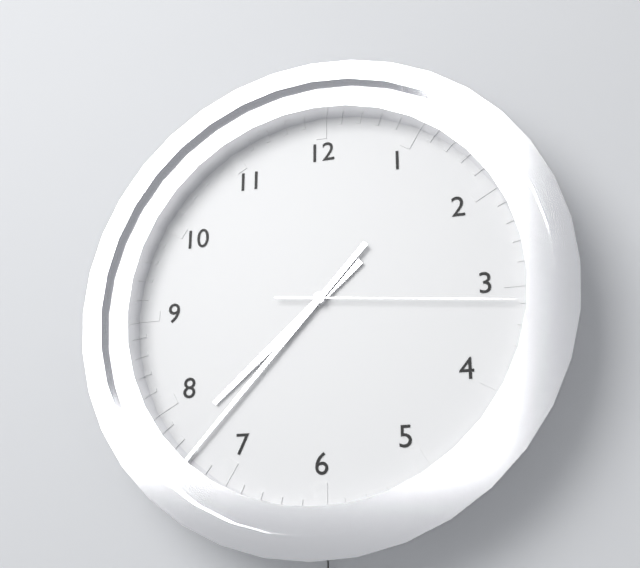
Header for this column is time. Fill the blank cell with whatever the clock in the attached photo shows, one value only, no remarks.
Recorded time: 7:37:16
